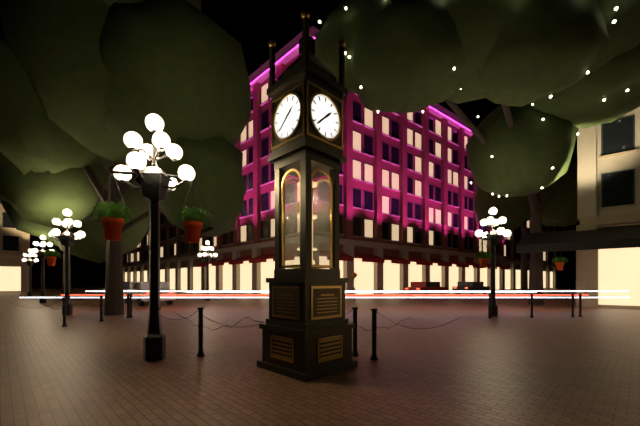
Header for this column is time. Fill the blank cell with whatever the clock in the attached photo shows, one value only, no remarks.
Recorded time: 1:38
